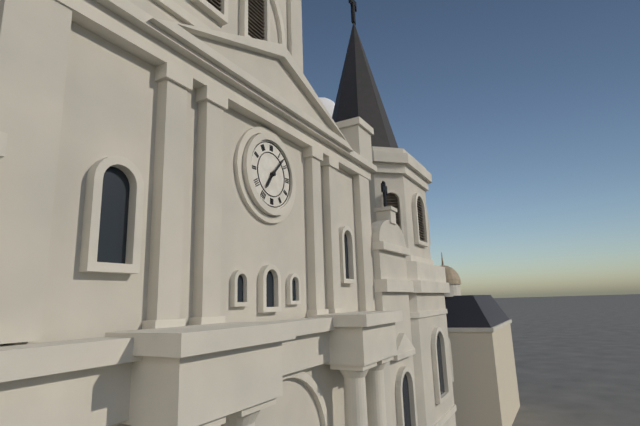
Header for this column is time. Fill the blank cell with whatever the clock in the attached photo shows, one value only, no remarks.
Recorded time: 7:07
